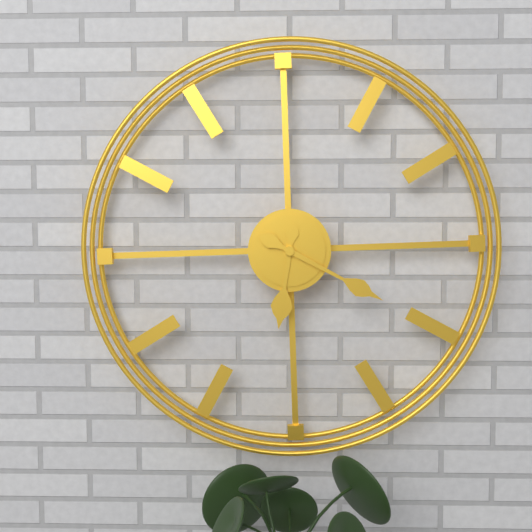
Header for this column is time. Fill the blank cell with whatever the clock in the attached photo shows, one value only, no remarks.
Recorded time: 6:20
